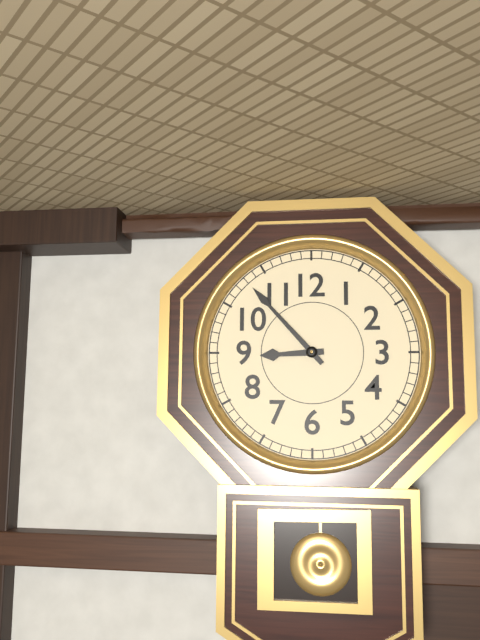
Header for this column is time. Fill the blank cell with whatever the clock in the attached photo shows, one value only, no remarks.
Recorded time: 8:53
